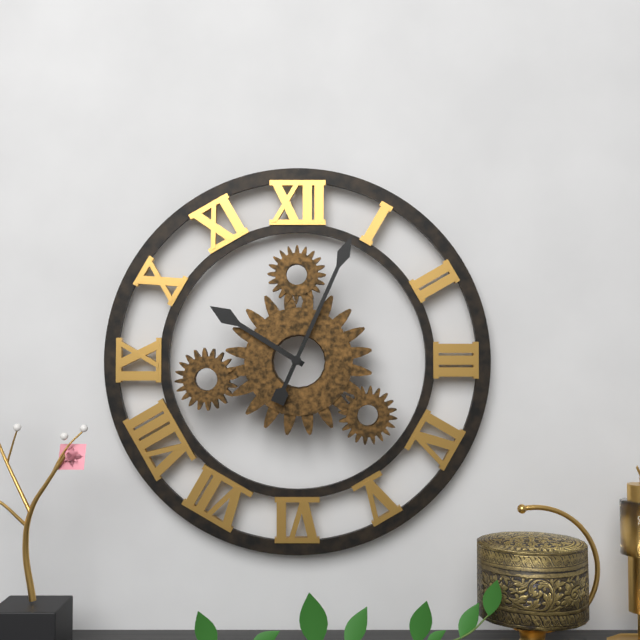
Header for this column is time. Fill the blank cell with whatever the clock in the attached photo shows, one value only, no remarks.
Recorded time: 10:04
